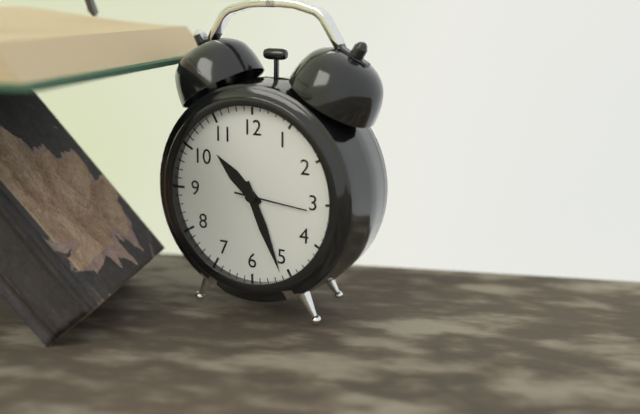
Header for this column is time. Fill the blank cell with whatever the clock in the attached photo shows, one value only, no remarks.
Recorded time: 10:26:16
